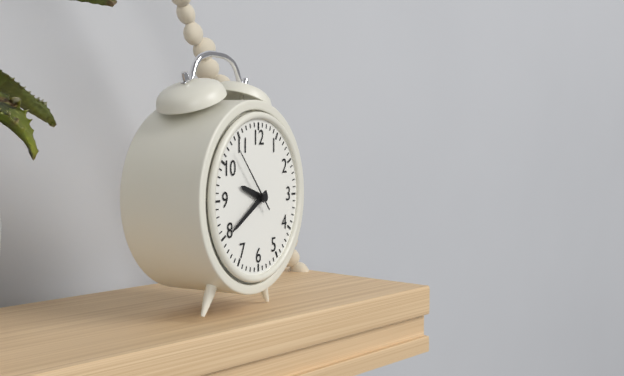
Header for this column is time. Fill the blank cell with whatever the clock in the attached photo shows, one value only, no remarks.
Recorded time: 9:40:53
